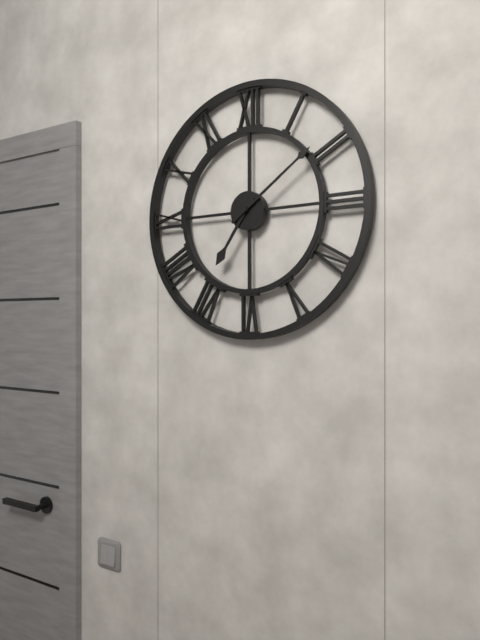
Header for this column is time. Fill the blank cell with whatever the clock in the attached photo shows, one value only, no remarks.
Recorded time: 7:09
